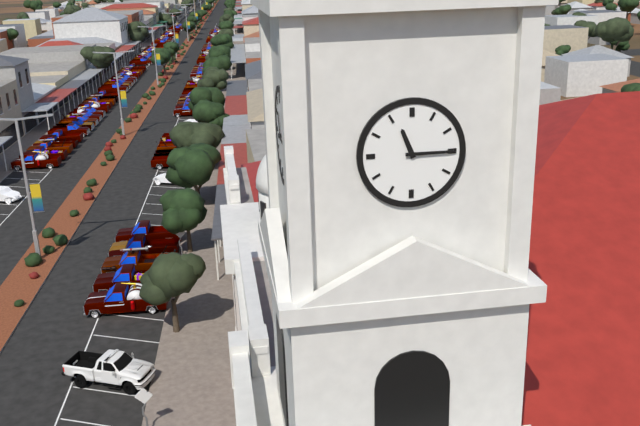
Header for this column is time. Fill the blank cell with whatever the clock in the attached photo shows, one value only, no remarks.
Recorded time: 11:15
